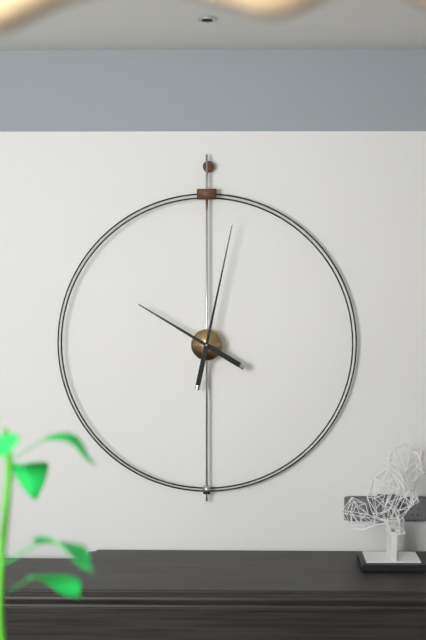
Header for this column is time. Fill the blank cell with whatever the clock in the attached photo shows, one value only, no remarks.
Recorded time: 10:02
